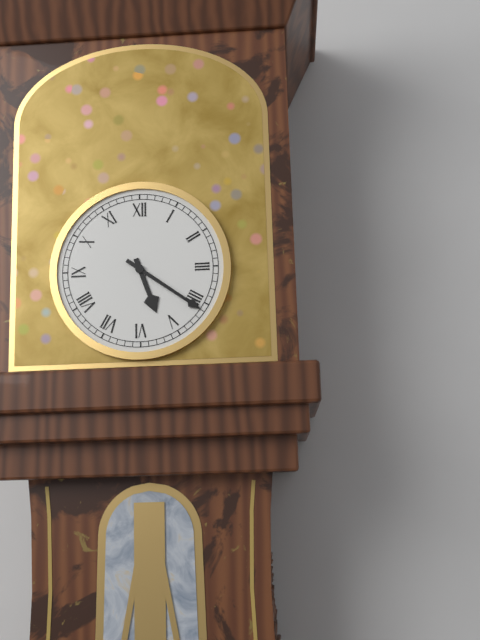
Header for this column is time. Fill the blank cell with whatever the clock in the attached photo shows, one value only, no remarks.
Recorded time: 5:21
